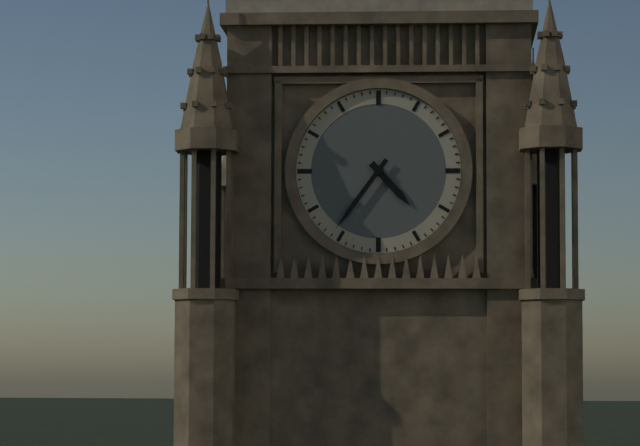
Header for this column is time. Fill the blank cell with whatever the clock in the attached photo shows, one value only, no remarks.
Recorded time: 4:36
